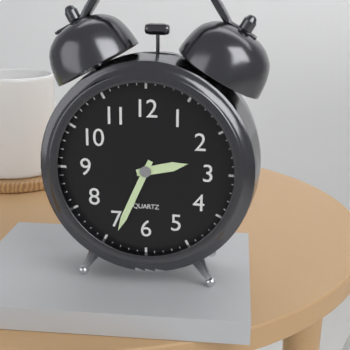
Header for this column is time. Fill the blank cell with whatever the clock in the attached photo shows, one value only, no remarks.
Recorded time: 2:34
